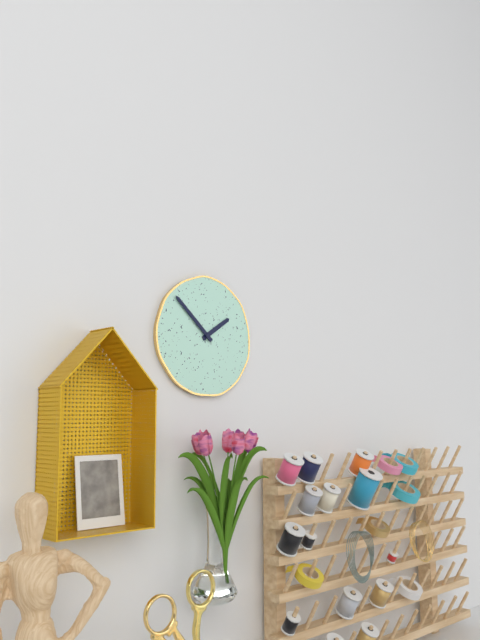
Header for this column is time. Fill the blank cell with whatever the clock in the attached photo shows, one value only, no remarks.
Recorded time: 1:52
